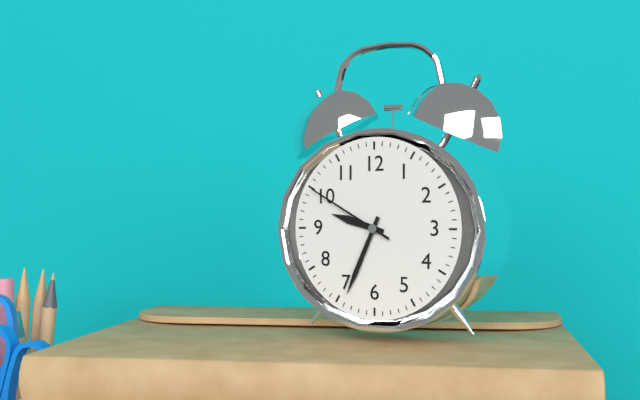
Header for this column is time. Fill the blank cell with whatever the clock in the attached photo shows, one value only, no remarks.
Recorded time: 9:34:50
